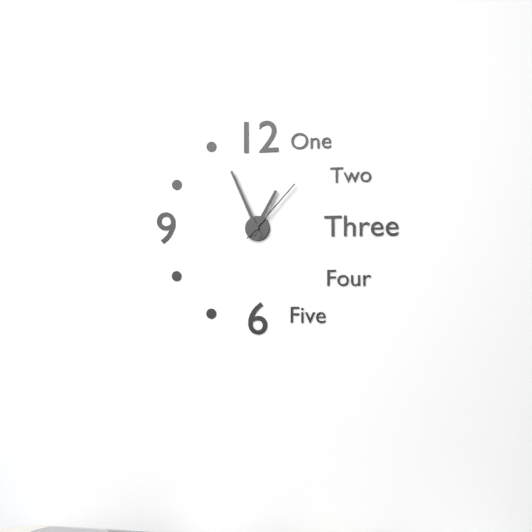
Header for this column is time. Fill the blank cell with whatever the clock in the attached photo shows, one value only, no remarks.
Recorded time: 12:56:07
